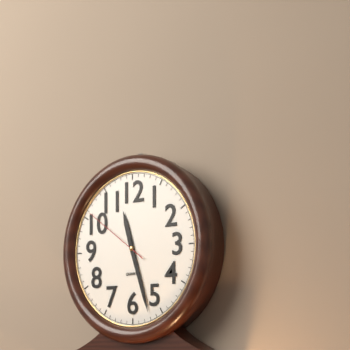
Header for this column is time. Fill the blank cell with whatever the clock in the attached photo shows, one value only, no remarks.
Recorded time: 11:27:51
